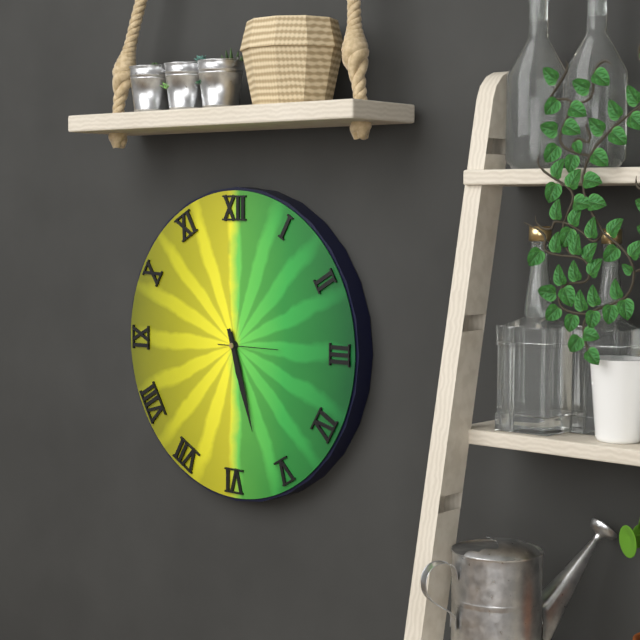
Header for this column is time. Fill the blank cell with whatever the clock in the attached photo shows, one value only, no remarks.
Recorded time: 5:27:15
